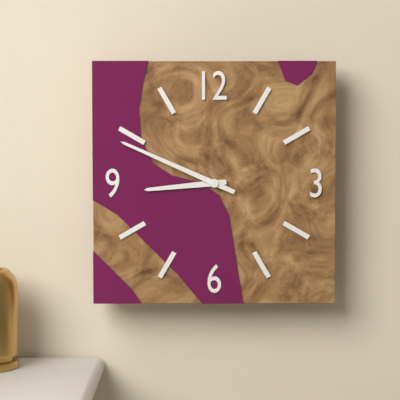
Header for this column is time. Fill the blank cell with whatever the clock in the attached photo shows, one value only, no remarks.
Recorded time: 8:49
